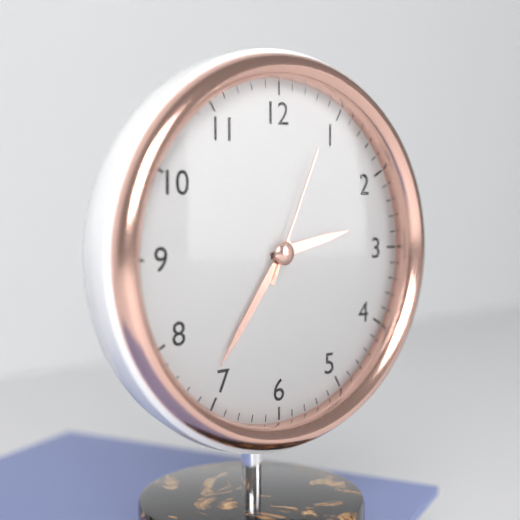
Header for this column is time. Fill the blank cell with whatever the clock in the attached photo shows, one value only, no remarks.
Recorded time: 2:36:04
